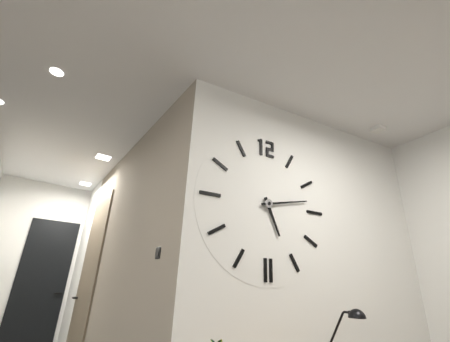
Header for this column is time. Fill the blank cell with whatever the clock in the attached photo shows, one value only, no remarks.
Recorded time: 5:13
